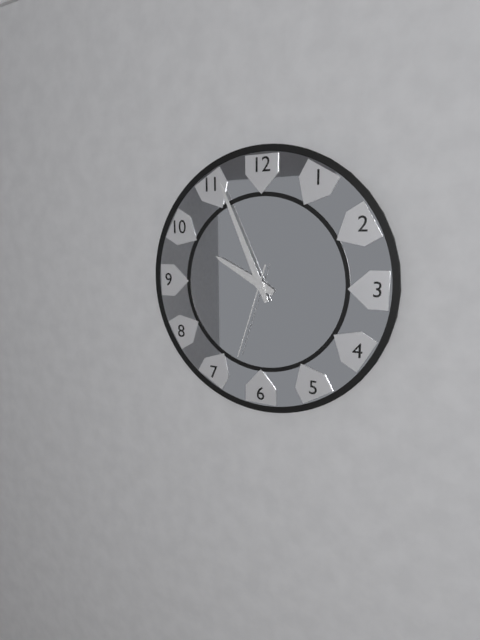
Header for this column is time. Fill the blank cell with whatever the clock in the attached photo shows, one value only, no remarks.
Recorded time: 9:56:33
